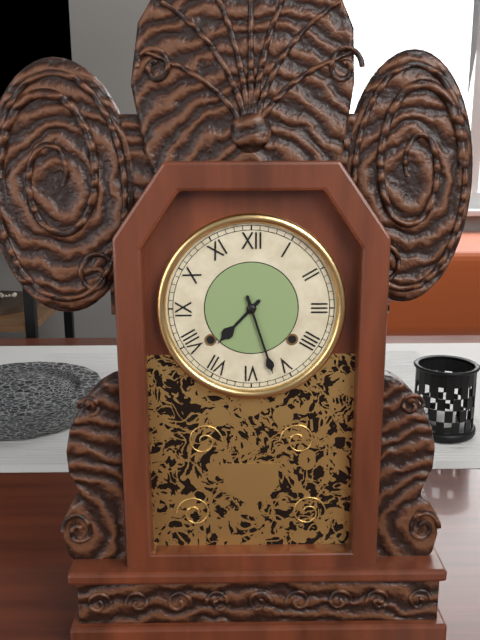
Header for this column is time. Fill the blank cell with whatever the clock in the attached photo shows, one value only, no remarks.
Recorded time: 7:27
